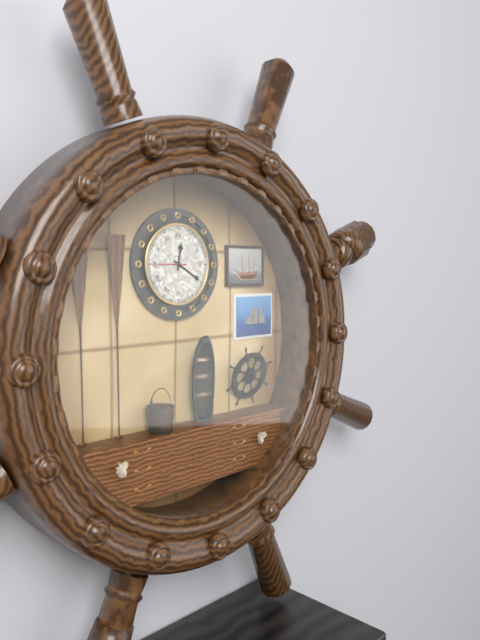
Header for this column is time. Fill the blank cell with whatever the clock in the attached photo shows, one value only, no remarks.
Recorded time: 12:20
